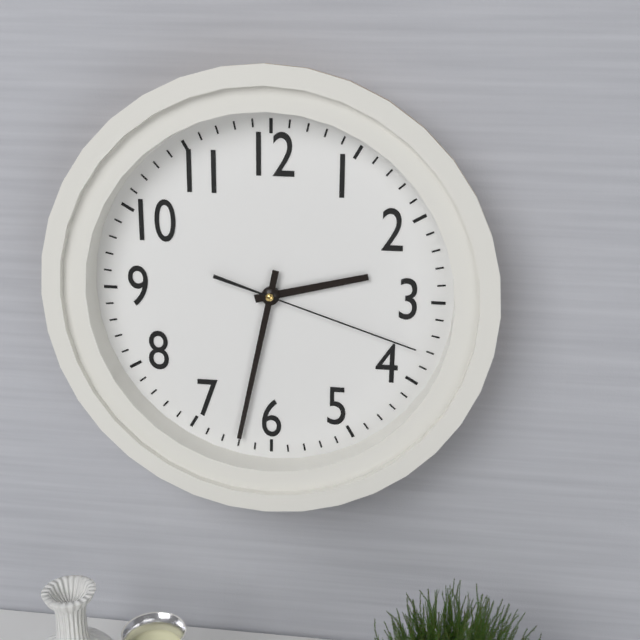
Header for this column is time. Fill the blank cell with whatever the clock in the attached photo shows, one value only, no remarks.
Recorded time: 2:32:18
